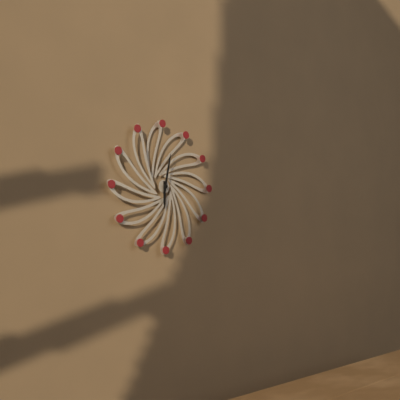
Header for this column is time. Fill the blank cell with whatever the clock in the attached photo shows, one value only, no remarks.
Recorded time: 6:02
